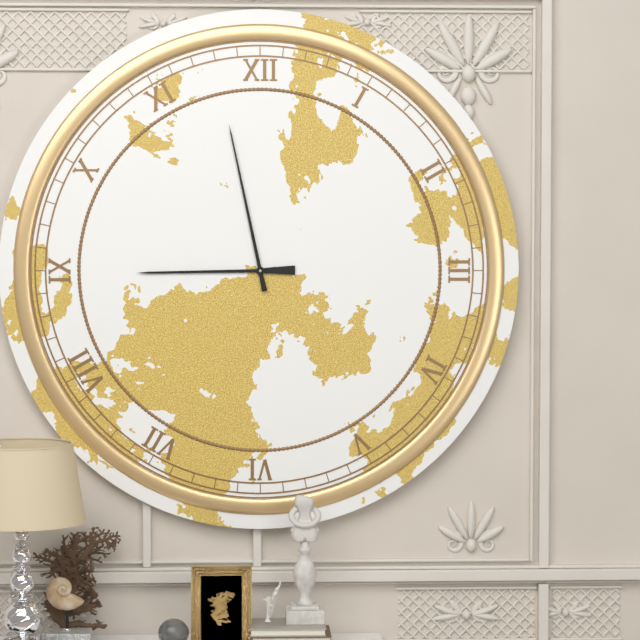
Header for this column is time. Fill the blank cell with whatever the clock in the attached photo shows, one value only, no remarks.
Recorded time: 8:58
